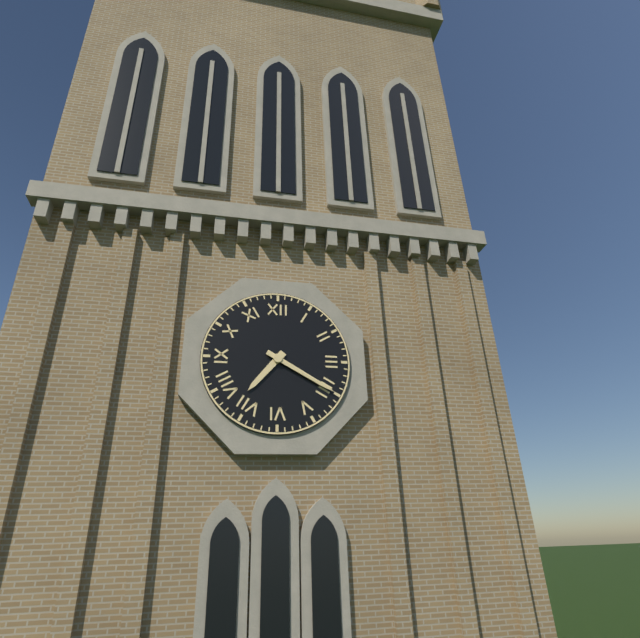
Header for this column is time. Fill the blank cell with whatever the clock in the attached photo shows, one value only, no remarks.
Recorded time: 7:20
